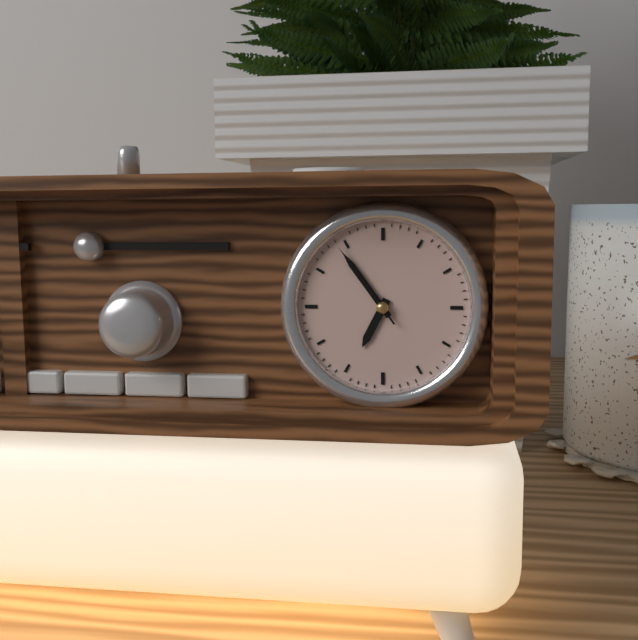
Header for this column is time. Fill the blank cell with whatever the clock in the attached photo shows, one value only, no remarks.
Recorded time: 6:54:54
